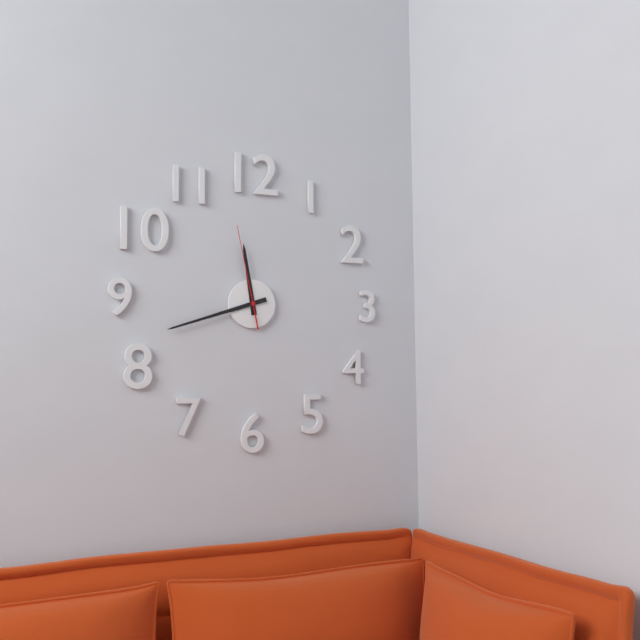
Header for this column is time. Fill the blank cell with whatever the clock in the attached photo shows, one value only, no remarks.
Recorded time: 11:42:58
